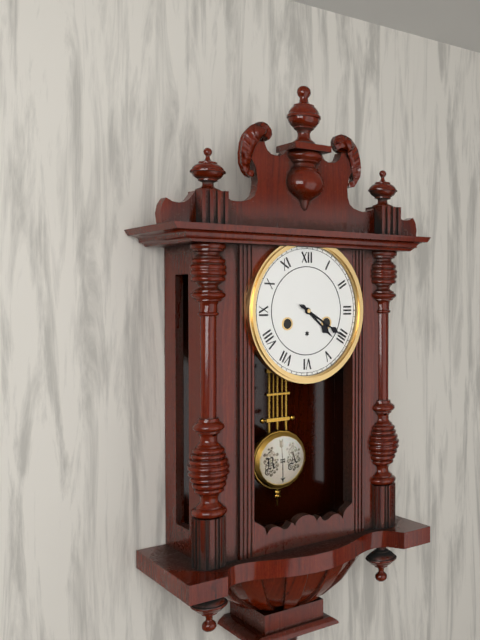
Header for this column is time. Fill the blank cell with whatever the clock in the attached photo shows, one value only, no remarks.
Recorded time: 4:20
